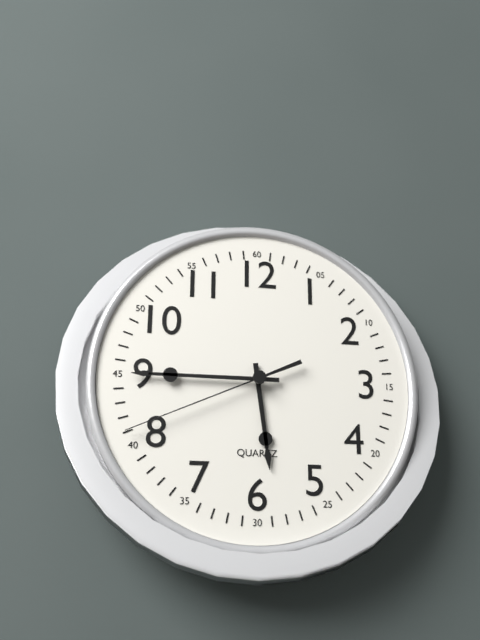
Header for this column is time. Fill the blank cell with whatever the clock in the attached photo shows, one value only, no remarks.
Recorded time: 5:45:41
